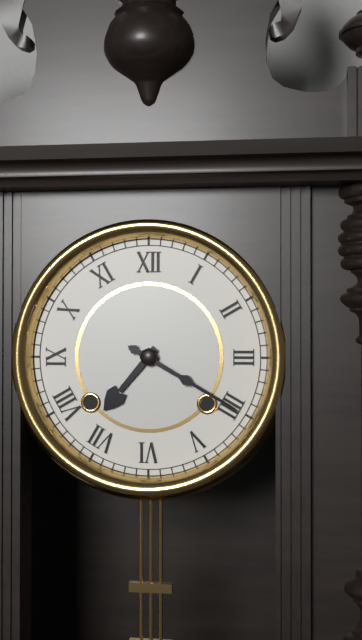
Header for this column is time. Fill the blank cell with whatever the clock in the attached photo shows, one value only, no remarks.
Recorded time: 7:20
